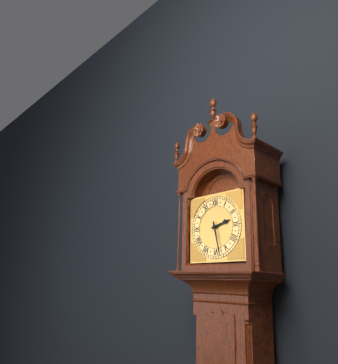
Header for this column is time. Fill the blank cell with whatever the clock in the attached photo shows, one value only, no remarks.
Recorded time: 2:28
